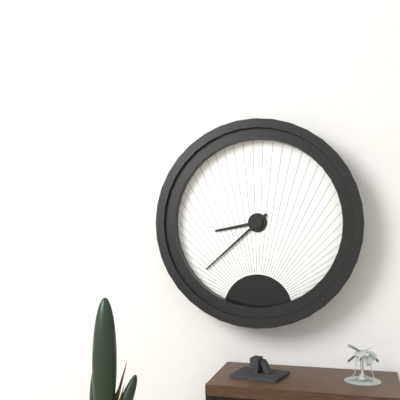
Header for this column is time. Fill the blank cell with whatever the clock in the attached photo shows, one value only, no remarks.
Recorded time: 8:38
